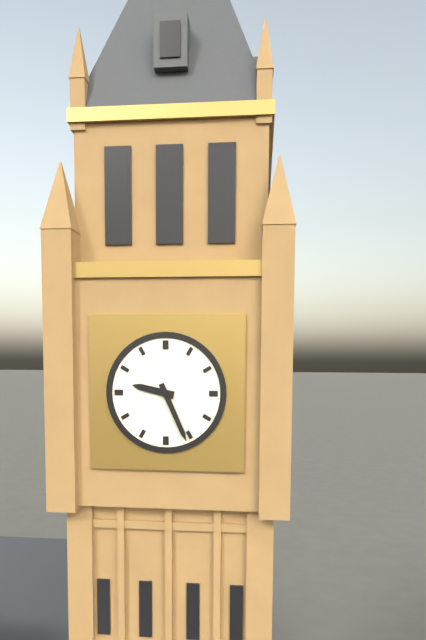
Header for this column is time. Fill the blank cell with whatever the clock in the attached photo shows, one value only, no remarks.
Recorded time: 9:26
